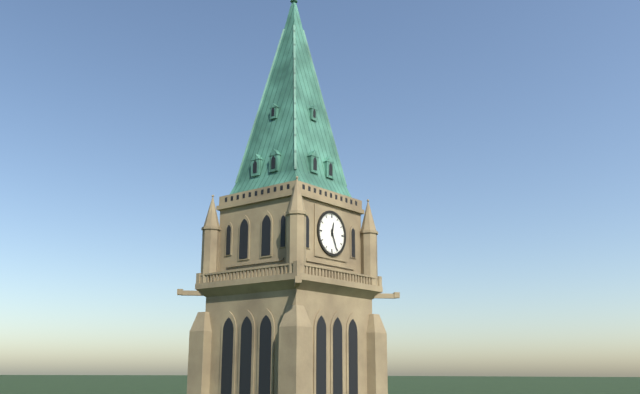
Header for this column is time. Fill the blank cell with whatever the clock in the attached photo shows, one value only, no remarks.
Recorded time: 12:26
